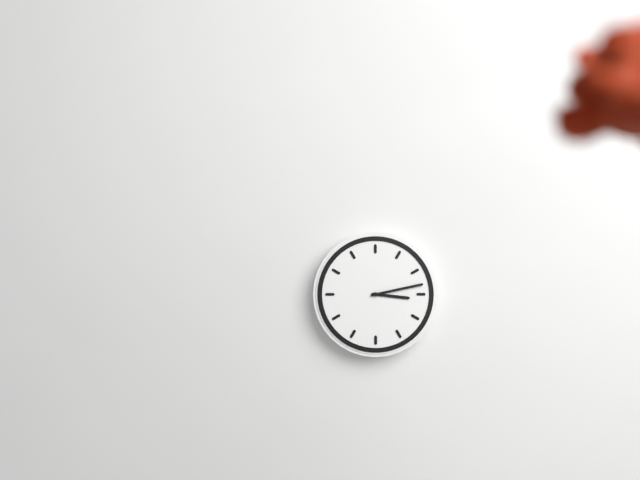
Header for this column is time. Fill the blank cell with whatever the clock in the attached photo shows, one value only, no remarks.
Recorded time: 3:13
